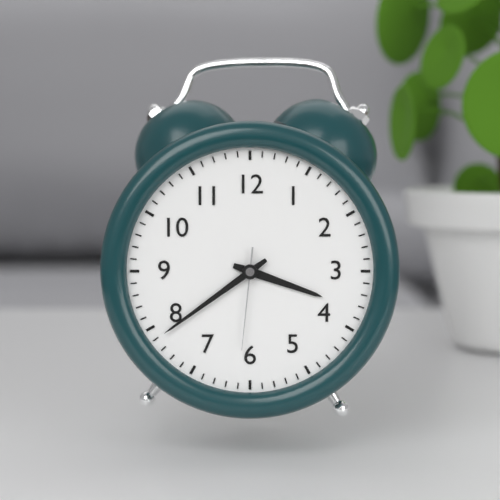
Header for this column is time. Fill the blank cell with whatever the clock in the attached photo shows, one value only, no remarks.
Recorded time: 3:39:31
